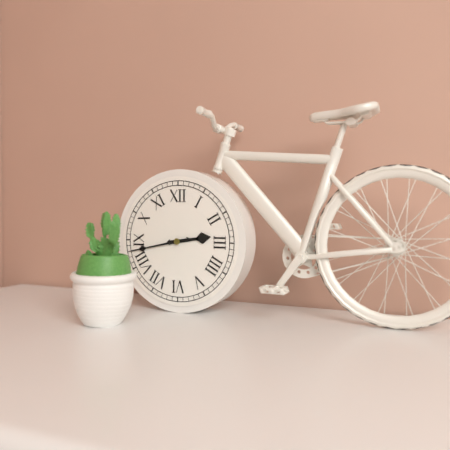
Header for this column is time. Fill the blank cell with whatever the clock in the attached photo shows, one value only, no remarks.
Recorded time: 2:43
